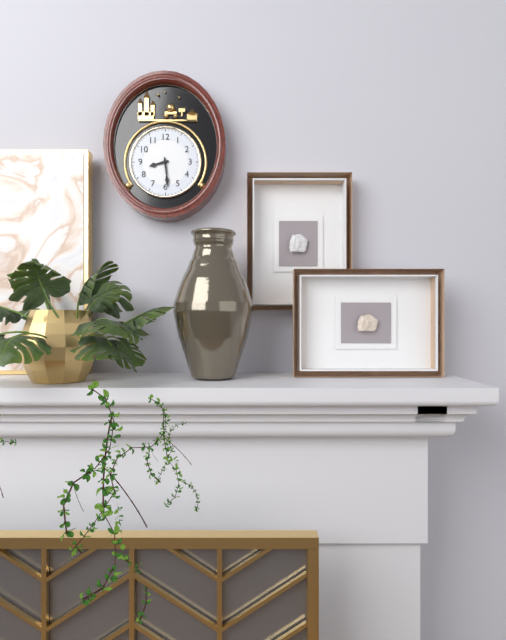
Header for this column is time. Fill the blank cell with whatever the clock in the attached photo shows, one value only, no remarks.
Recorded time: 8:29
